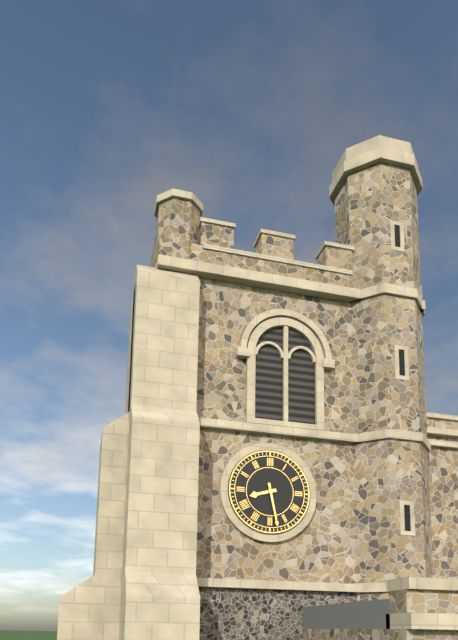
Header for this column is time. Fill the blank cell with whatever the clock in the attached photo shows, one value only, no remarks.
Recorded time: 8:28
